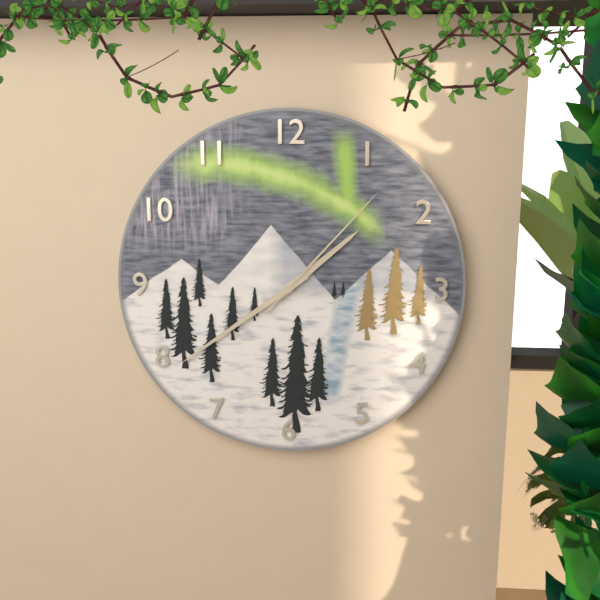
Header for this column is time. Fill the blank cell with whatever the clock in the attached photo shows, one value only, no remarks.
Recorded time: 1:39:07
